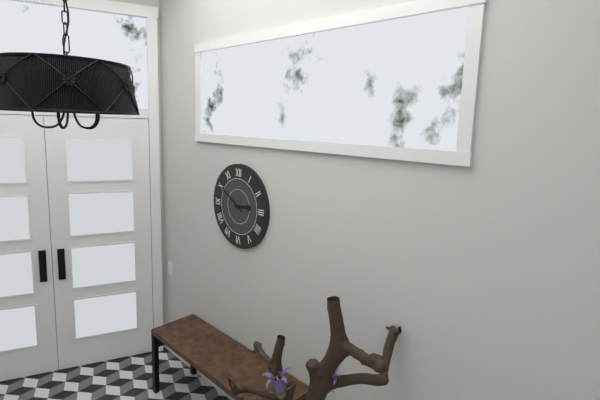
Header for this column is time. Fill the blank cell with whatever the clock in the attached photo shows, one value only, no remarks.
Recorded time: 2:50
